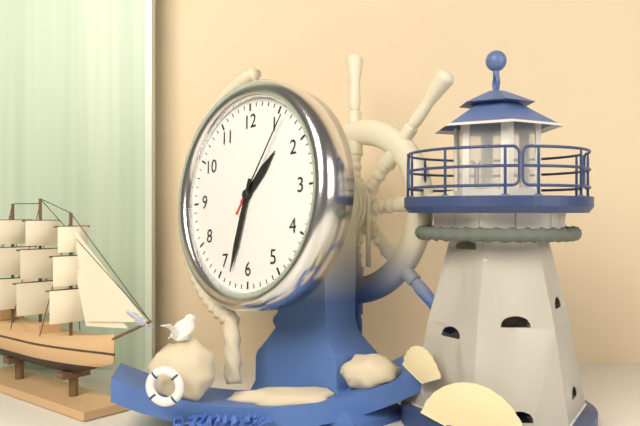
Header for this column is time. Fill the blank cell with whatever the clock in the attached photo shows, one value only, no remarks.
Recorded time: 1:33:06
